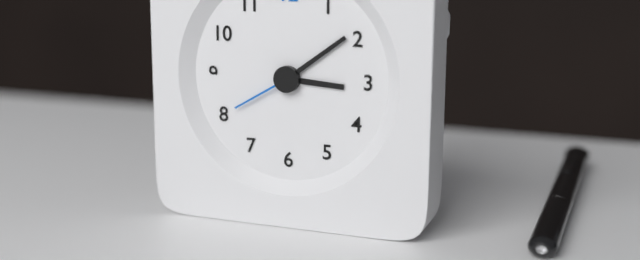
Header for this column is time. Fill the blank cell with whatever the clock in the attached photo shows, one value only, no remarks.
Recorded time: 3:09:40
